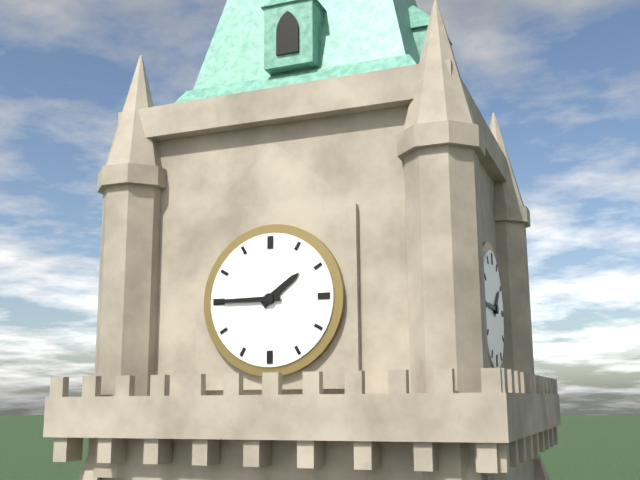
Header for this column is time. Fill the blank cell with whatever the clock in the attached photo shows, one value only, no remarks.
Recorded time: 1:45
